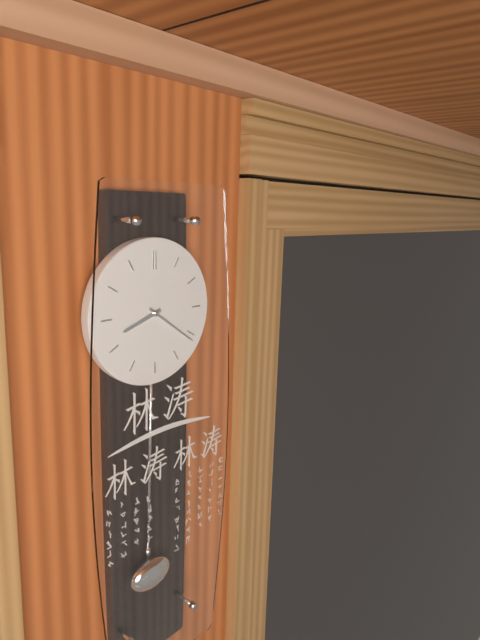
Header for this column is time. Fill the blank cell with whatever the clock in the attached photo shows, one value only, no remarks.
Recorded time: 8:21
